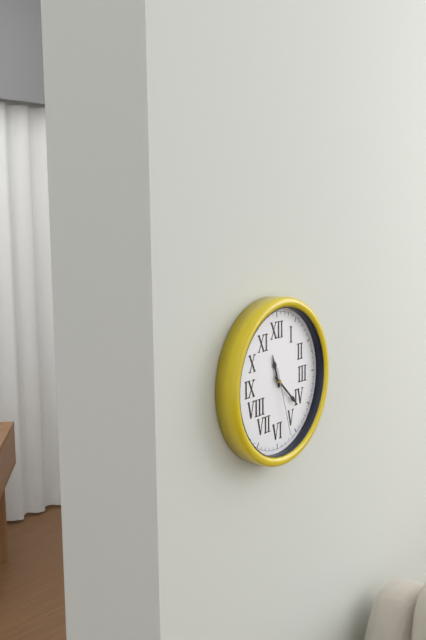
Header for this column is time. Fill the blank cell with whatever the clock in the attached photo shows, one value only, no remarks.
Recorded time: 11:22:27
